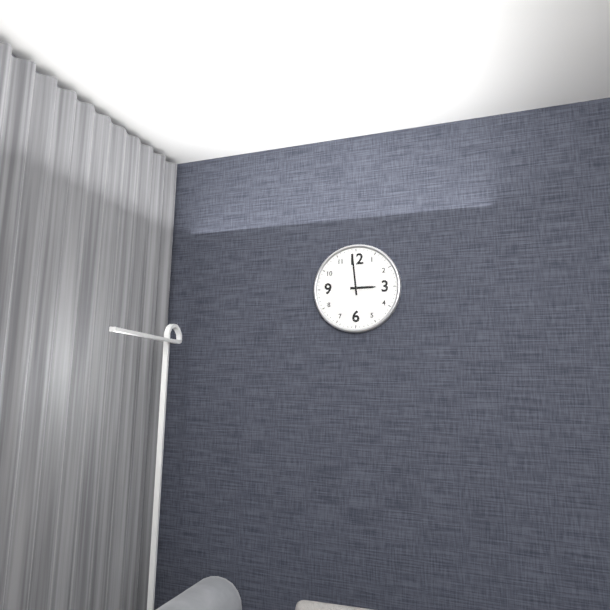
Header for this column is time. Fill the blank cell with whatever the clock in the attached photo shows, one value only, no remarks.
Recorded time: 2:59
